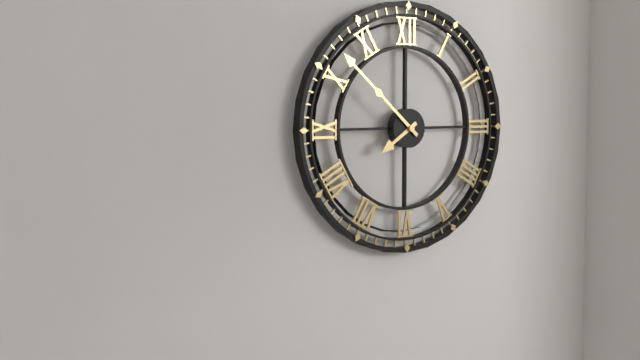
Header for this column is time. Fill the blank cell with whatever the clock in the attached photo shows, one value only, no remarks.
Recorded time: 7:52
